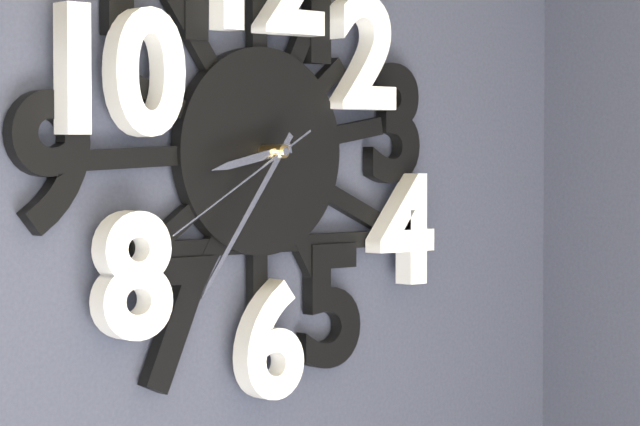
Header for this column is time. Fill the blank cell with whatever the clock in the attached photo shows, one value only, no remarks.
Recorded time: 8:36:40
